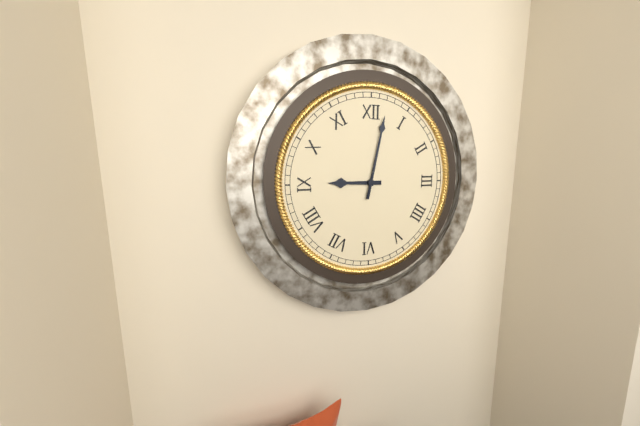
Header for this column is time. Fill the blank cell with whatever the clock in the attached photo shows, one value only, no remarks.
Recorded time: 9:02
